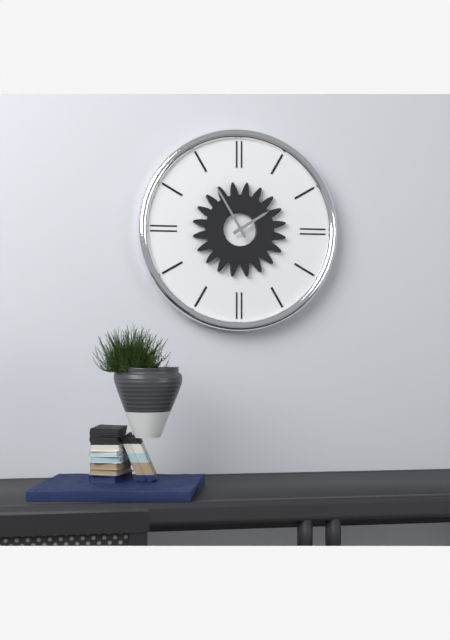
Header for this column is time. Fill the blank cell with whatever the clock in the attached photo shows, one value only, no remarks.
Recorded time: 1:55
